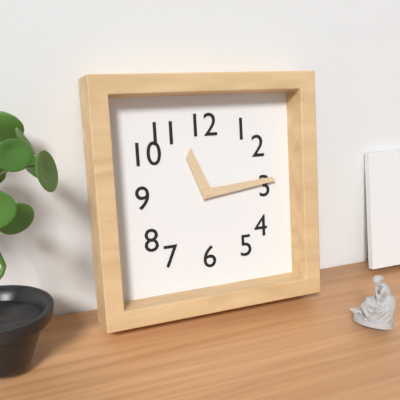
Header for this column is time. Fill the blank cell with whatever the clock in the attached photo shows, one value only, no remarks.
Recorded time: 11:14
